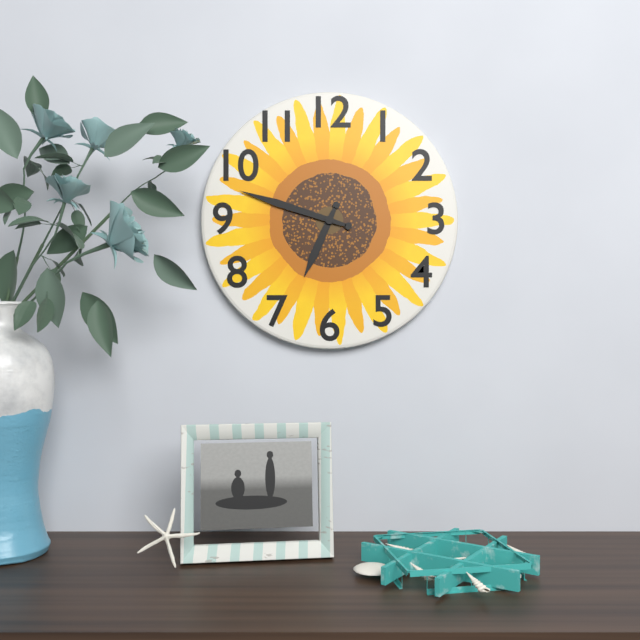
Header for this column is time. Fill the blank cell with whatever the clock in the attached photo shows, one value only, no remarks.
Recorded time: 6:48
